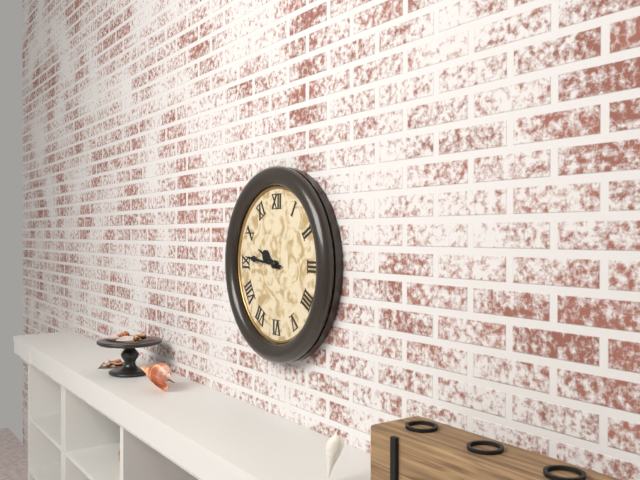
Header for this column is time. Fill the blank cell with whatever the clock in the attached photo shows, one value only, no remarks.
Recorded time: 9:46
